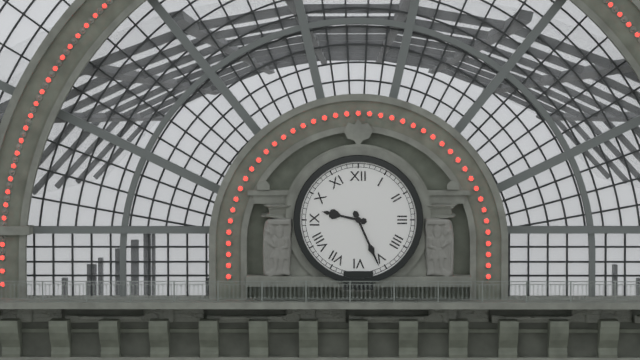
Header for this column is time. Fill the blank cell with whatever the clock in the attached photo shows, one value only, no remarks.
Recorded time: 9:26
